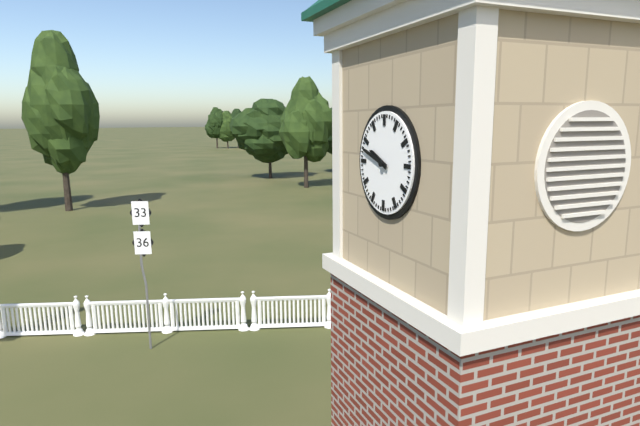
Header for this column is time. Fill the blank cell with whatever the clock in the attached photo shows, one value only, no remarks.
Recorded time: 9:48
